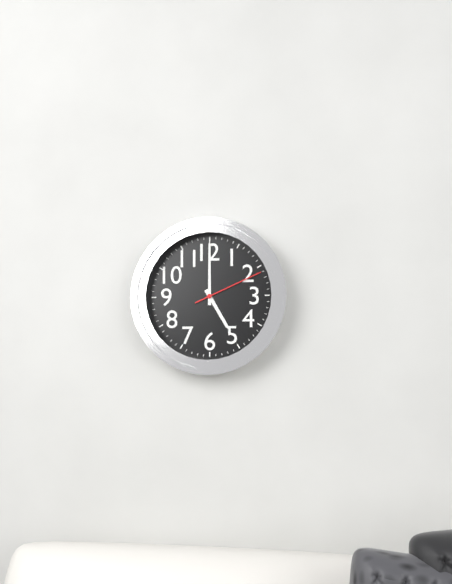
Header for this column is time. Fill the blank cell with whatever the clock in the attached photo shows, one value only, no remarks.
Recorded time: 5:00:11
